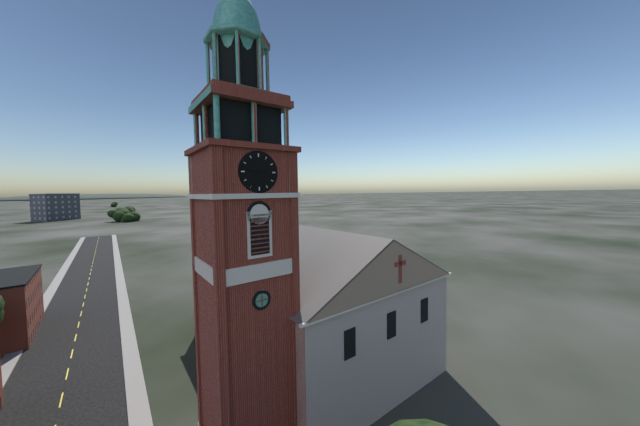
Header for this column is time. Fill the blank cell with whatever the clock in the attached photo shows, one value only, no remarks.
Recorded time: 7:47
